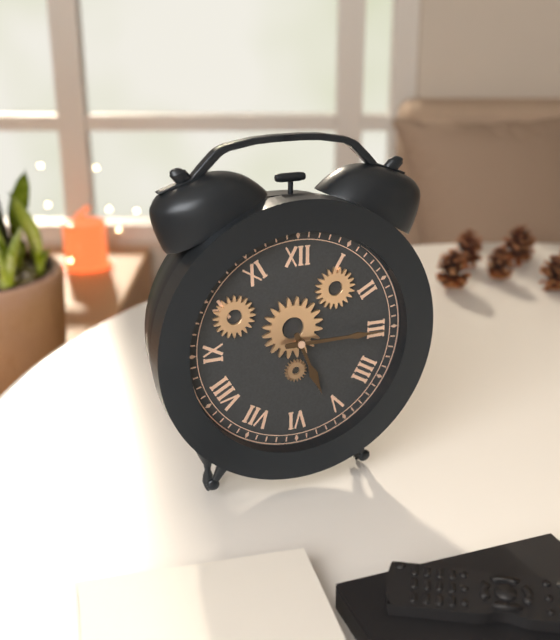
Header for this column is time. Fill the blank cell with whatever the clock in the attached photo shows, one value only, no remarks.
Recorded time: 5:15
